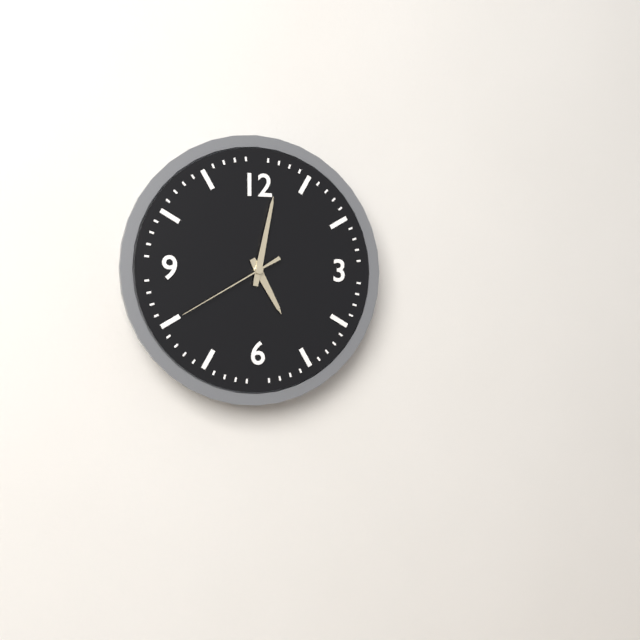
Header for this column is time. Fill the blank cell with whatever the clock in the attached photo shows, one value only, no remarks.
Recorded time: 5:02:40
